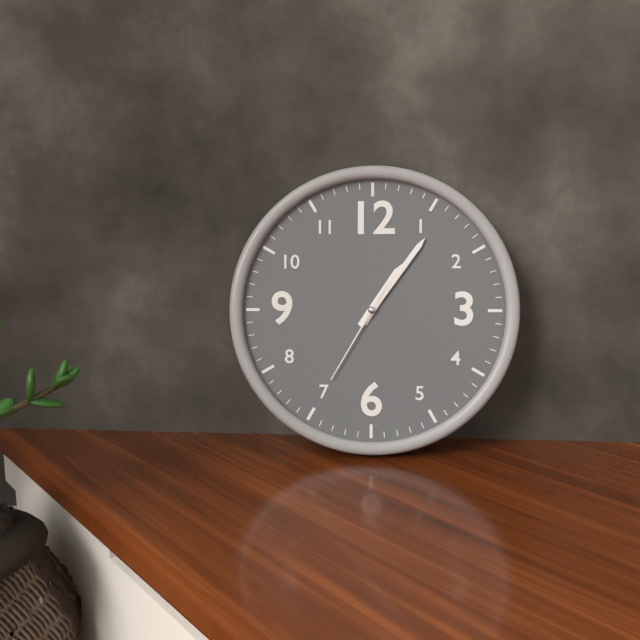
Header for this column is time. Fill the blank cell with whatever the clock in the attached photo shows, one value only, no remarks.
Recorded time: 1:06:35
